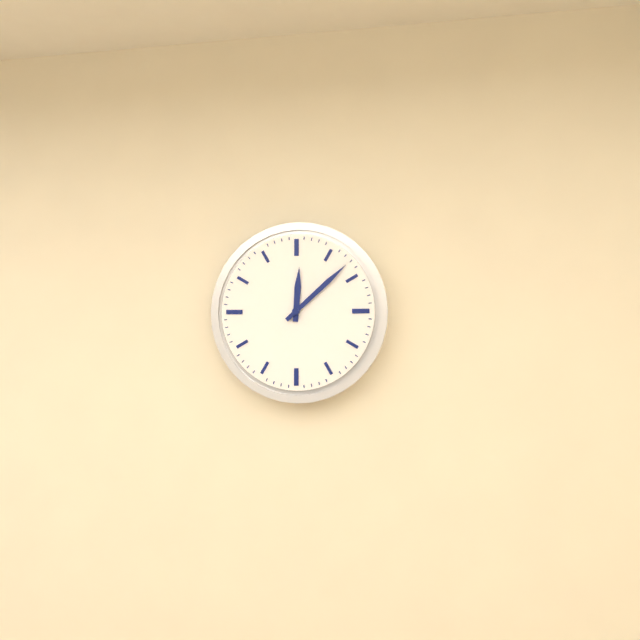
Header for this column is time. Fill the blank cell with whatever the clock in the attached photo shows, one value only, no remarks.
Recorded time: 12:08
